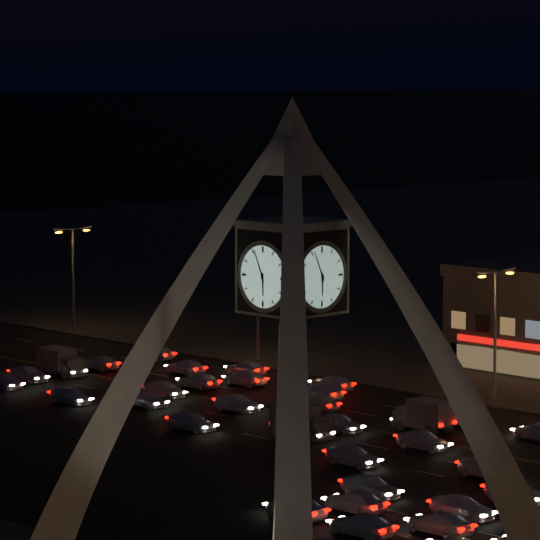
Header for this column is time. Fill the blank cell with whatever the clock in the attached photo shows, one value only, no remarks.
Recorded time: 5:56
